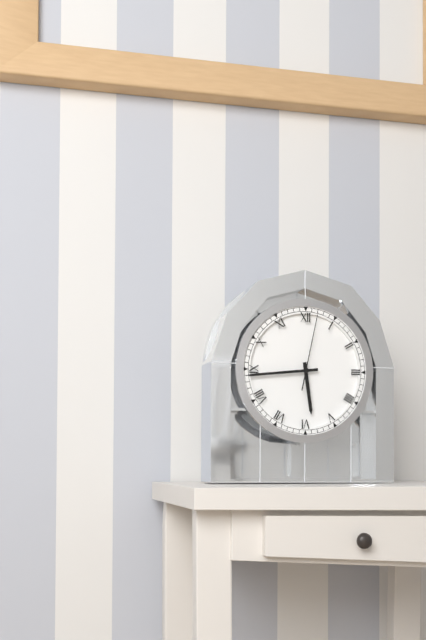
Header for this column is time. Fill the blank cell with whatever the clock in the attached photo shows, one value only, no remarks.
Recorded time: 5:44:02
